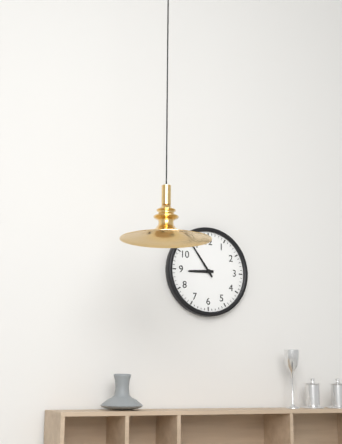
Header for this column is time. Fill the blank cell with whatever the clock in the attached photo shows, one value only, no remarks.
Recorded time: 8:54
